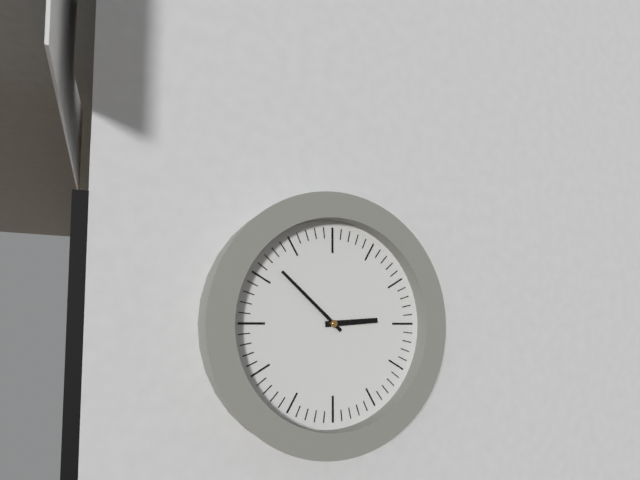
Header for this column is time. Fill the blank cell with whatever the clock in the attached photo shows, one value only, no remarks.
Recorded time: 2:52
